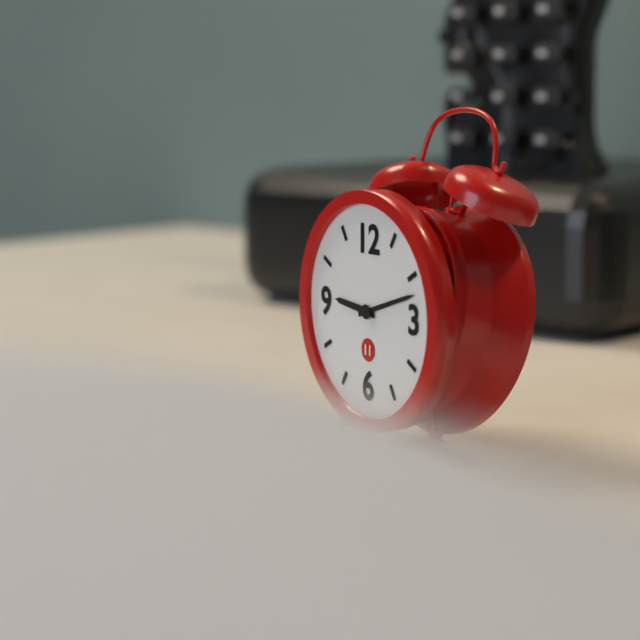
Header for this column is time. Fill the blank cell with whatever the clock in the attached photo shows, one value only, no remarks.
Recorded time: 9:12
